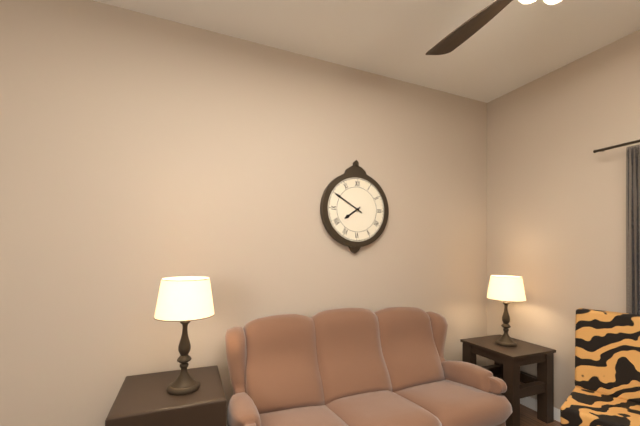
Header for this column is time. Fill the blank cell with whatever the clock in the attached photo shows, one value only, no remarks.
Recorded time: 7:50
